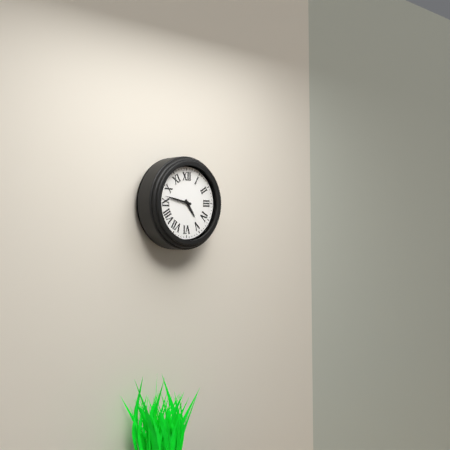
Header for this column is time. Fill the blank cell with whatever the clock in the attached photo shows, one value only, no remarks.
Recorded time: 4:47
